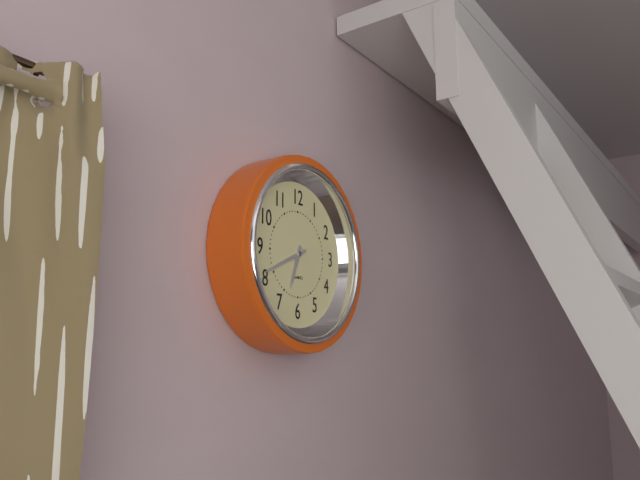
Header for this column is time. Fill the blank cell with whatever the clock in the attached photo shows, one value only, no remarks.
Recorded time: 6:41
